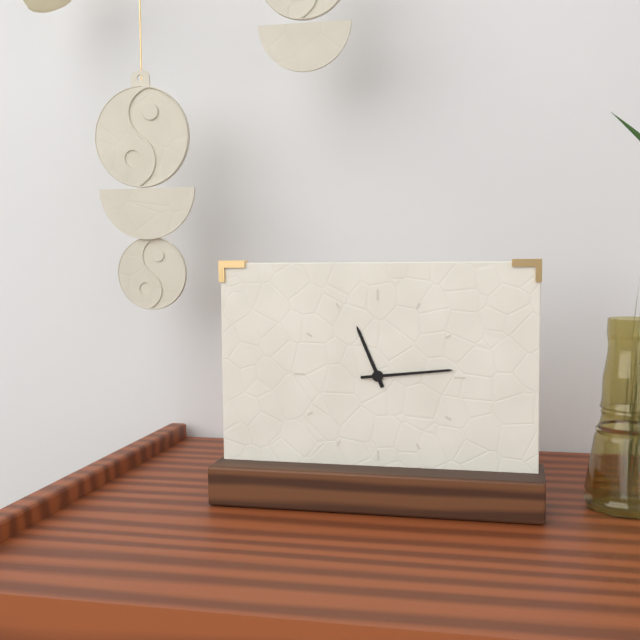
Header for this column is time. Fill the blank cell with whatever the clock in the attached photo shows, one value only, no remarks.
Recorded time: 11:14
